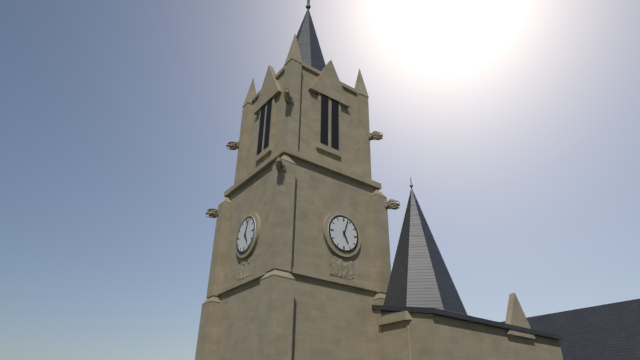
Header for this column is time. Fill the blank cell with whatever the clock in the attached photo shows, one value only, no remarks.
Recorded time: 5:03
